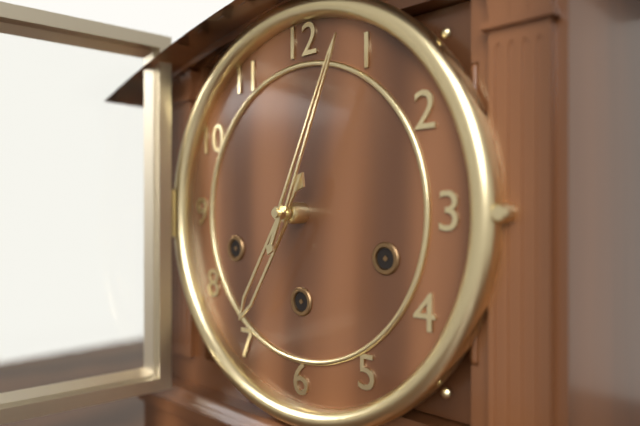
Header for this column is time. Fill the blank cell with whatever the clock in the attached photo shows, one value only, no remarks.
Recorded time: 7:04
